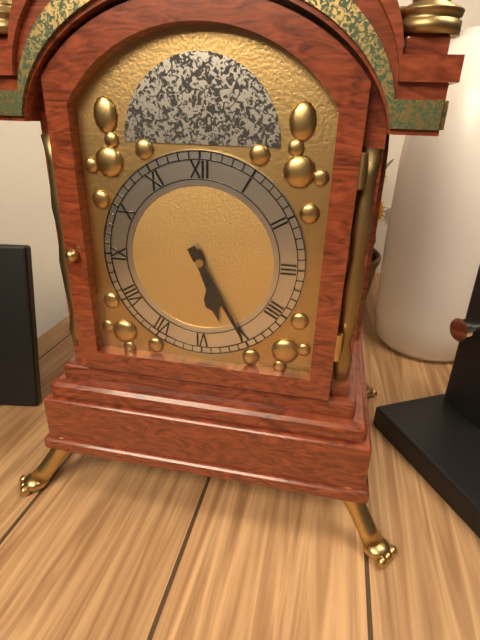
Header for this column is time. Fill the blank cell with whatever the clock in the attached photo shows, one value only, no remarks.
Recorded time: 5:25
